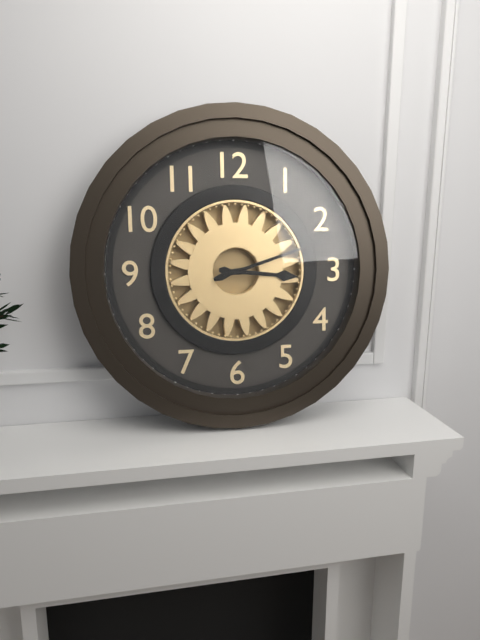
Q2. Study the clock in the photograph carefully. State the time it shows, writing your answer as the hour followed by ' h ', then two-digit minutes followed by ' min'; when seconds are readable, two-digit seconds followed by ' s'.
3 h 12 min
